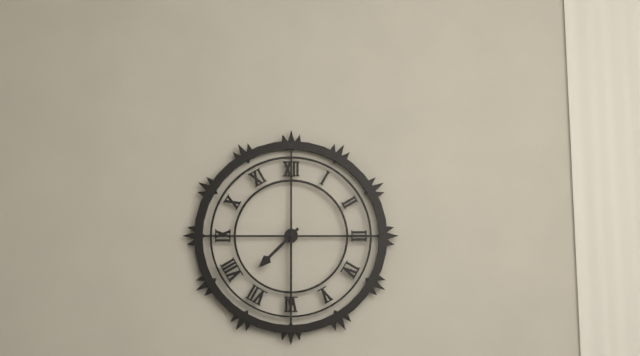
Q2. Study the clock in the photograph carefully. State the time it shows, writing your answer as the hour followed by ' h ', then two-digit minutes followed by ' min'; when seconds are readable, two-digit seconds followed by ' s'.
7 h 30 min
